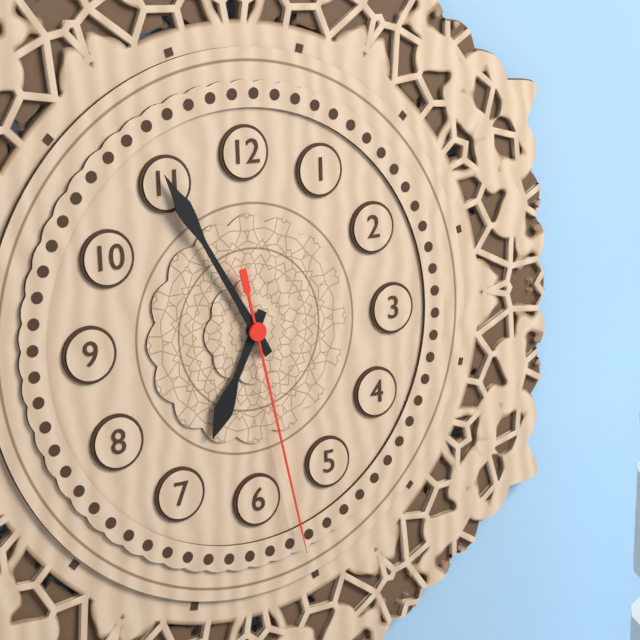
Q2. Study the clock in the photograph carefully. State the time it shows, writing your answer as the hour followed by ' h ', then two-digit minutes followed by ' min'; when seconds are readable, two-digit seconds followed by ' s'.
6 h 55 min 28 s
